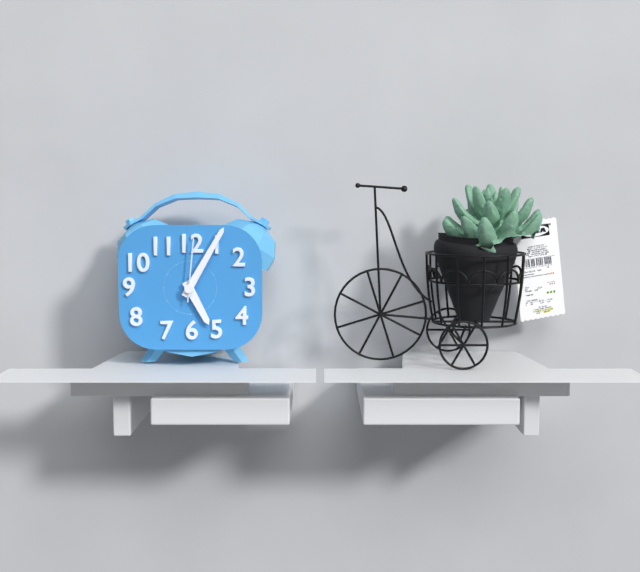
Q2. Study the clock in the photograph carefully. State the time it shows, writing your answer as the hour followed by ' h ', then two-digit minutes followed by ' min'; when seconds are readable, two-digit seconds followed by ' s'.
5 h 05 min 01 s
